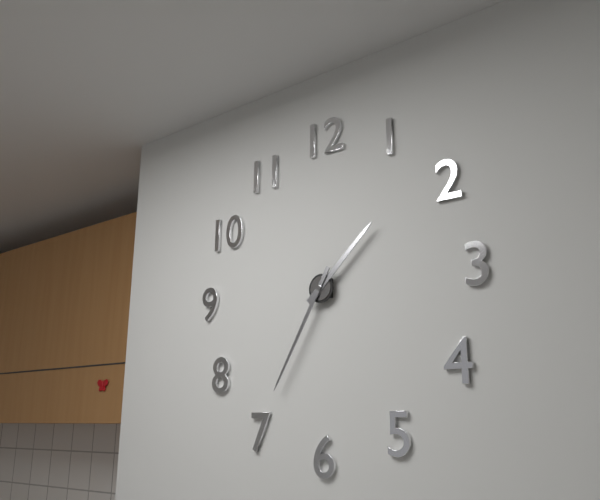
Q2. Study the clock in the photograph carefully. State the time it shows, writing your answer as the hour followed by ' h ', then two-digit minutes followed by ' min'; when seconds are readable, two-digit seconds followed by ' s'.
1 h 35 min
